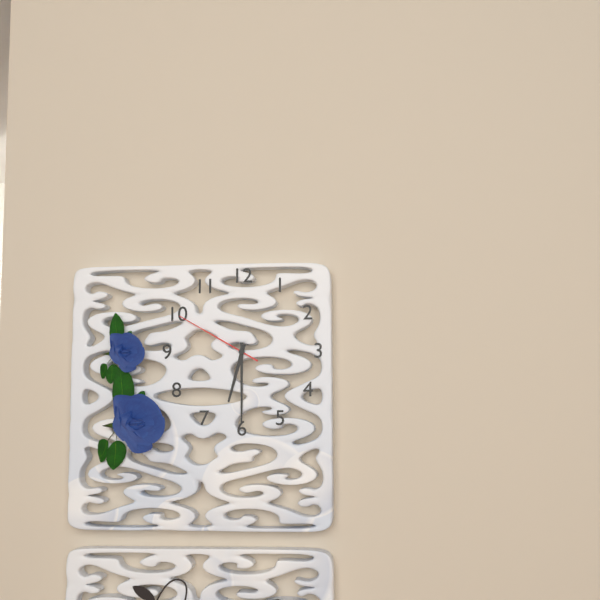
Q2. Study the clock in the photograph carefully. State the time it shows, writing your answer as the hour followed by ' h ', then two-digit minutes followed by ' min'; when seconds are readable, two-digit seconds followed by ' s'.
6 h 30 min 50 s
